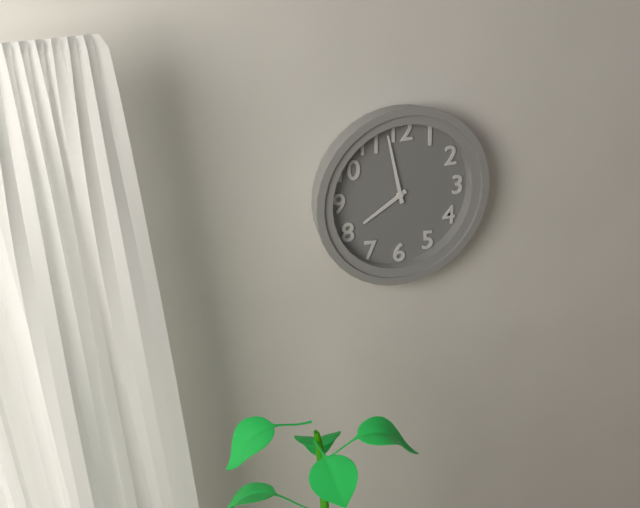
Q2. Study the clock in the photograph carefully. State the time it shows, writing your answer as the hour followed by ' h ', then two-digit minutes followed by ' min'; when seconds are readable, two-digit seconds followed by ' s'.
7 h 58 min
